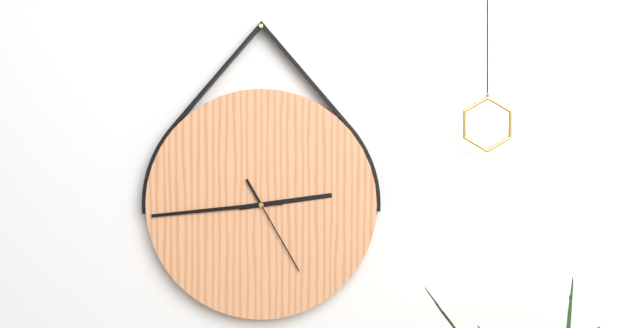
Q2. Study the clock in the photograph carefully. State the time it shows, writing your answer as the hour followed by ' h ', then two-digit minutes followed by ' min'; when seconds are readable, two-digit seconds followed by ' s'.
2 h 44 min 25 s
